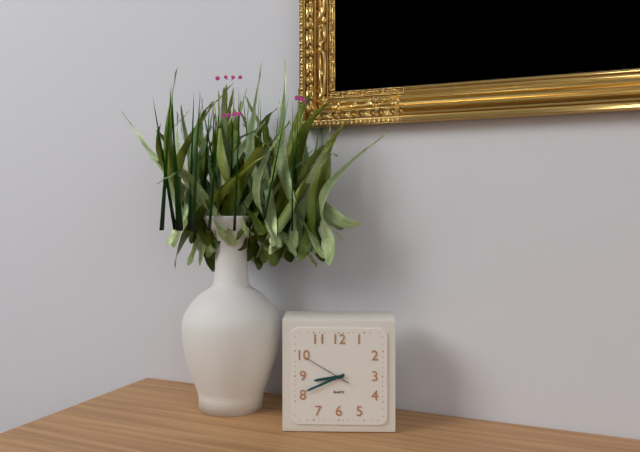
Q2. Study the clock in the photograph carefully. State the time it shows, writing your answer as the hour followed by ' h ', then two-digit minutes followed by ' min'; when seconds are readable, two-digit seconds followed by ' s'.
8 h 41 min
